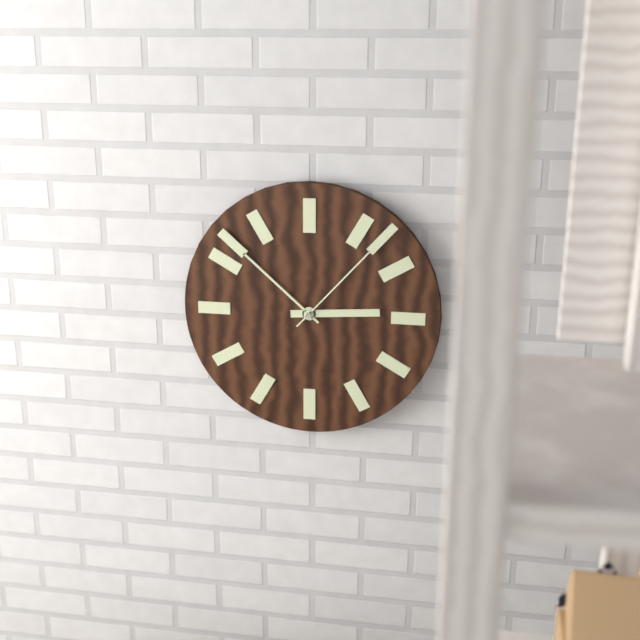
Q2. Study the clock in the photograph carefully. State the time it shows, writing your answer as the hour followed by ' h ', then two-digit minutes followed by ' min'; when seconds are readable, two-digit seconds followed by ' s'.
2 h 52 min 07 s
